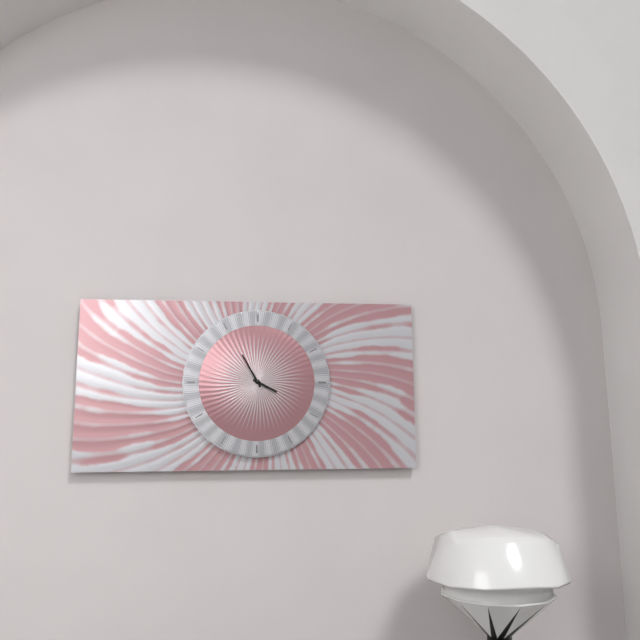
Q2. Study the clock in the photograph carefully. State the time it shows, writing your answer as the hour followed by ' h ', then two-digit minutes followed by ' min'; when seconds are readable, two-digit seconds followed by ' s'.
3 h 55 min
